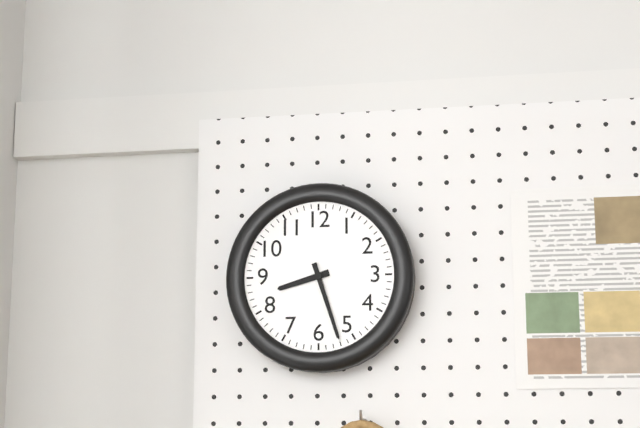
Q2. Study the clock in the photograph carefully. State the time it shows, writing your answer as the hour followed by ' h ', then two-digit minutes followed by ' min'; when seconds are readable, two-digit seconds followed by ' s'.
8 h 27 min
